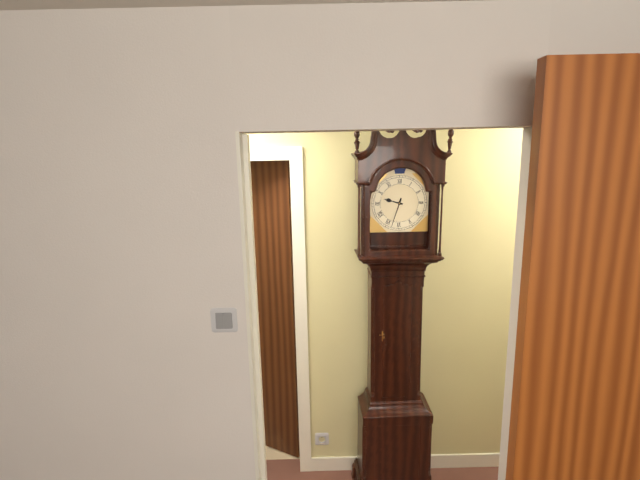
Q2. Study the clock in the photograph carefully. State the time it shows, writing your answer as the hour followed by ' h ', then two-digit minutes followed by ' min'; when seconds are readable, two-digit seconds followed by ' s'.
9 h 33 min
